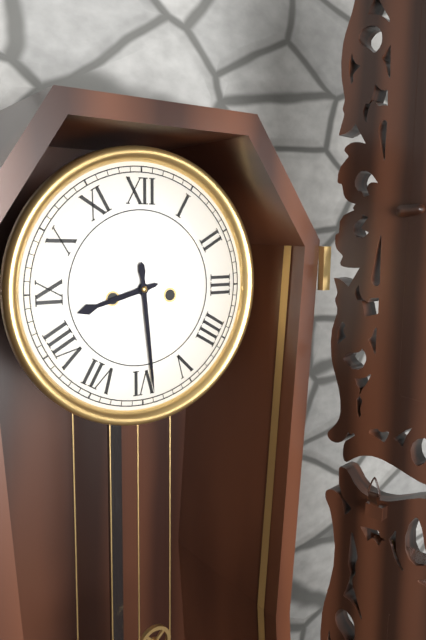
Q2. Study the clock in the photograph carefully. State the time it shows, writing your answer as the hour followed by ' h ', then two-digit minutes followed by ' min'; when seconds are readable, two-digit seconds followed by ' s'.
8 h 29 min
